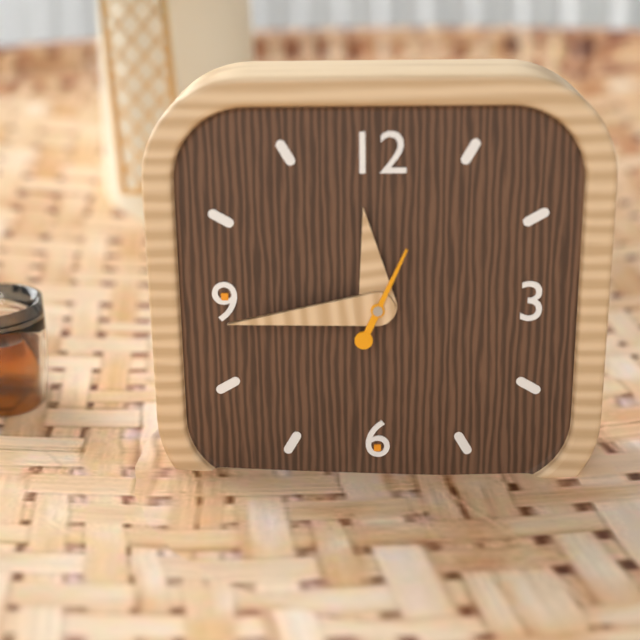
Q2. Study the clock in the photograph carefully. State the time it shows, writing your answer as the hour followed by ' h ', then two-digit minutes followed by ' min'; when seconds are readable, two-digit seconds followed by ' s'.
11 h 44 min 04 s
